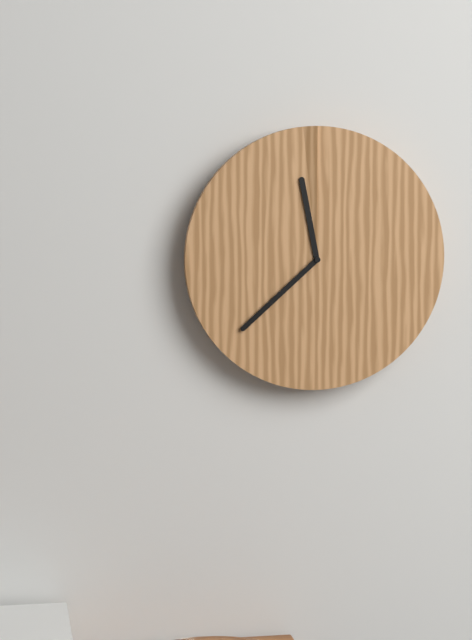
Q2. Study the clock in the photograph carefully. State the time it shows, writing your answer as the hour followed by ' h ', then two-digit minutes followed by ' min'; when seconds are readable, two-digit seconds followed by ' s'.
11 h 38 min
